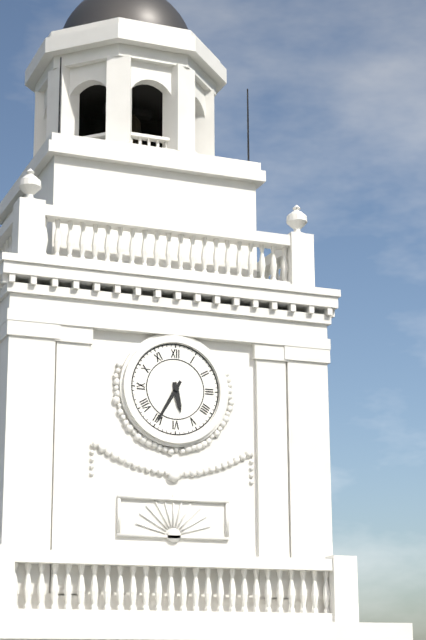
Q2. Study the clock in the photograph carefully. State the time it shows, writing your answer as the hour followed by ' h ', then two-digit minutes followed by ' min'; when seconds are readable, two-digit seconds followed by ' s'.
5 h 35 min
